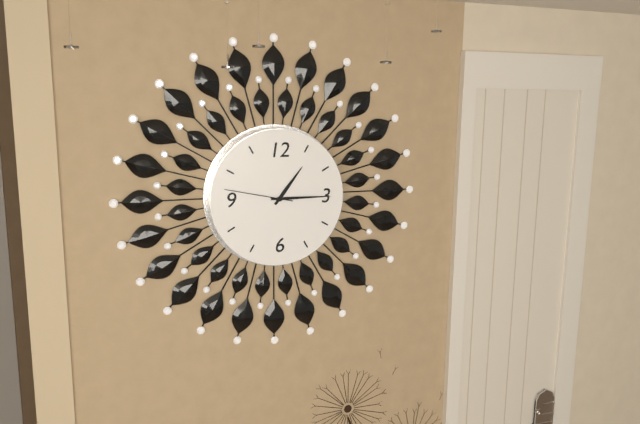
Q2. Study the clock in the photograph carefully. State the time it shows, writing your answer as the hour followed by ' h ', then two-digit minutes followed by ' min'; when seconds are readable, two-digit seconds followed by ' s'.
1 h 15 min 47 s
